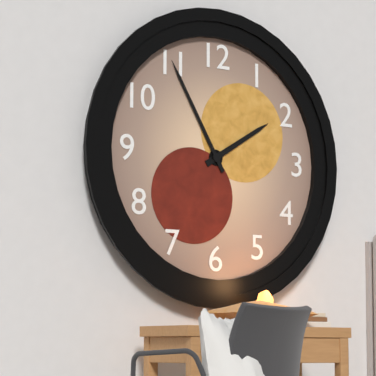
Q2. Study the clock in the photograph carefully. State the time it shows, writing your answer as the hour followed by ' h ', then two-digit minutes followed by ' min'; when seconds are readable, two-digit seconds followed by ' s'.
1 h 55 min
